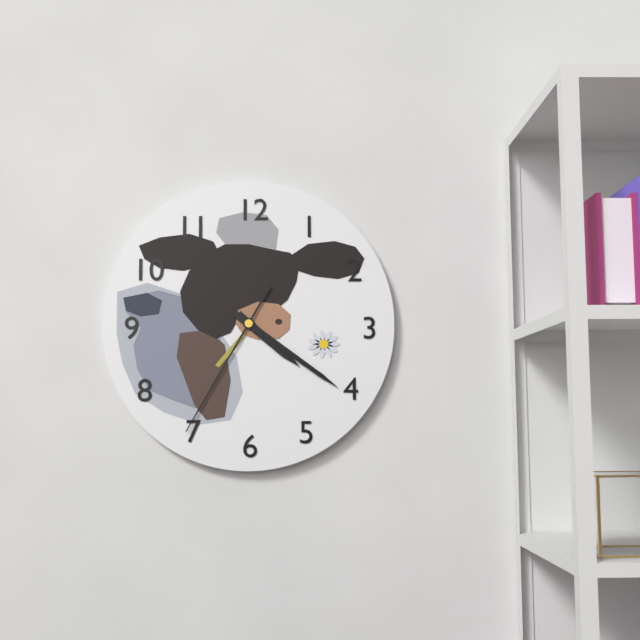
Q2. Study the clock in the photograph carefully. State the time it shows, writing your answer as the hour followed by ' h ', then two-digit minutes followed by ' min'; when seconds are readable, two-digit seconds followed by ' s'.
4 h 21 min 35 s
